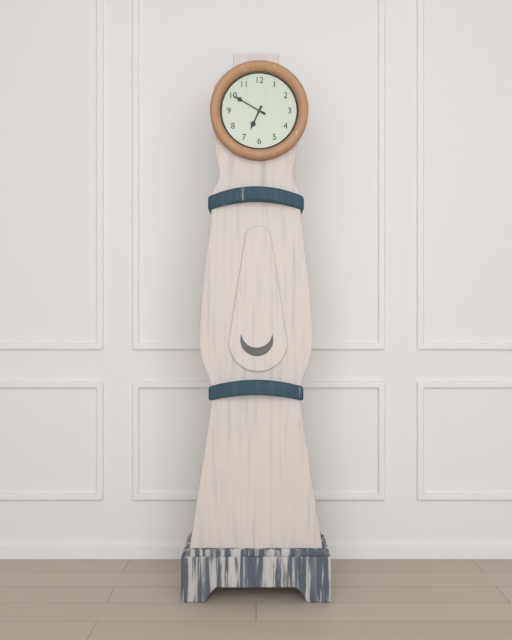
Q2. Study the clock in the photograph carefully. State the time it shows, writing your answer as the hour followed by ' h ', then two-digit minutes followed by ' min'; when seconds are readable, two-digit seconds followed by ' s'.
6 h 50 min
